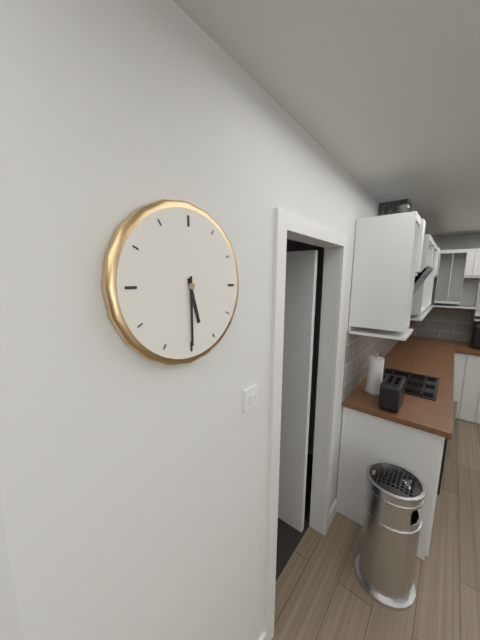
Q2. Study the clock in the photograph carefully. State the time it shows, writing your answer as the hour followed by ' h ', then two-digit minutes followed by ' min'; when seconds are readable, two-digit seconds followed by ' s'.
5 h 30 min
